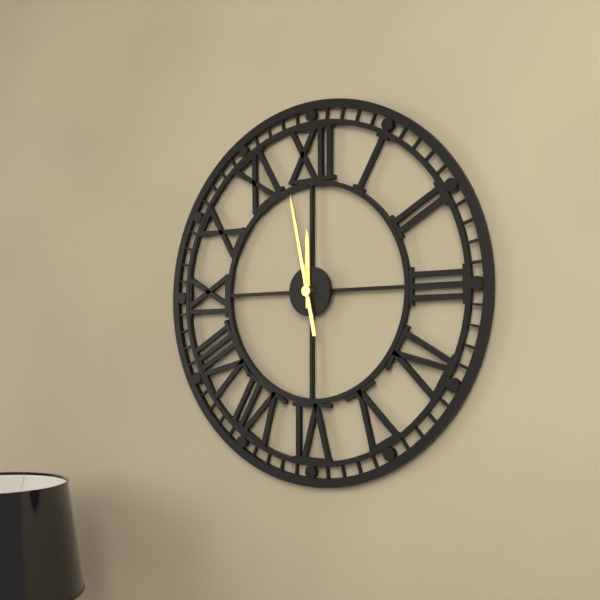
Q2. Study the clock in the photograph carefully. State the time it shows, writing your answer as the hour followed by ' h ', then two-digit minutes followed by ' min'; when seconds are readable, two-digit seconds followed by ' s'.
11 h 58 min
